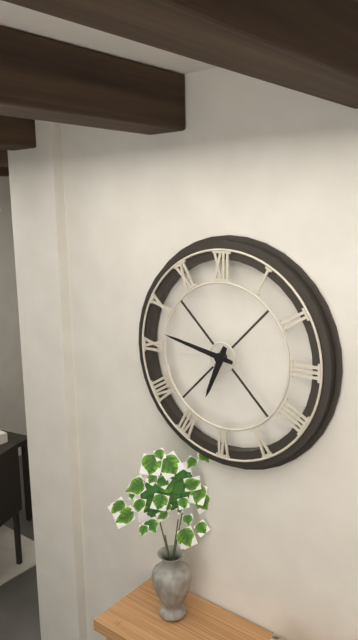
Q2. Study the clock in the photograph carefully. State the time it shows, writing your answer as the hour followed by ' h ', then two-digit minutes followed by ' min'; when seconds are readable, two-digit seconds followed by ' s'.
6 h 47 min
